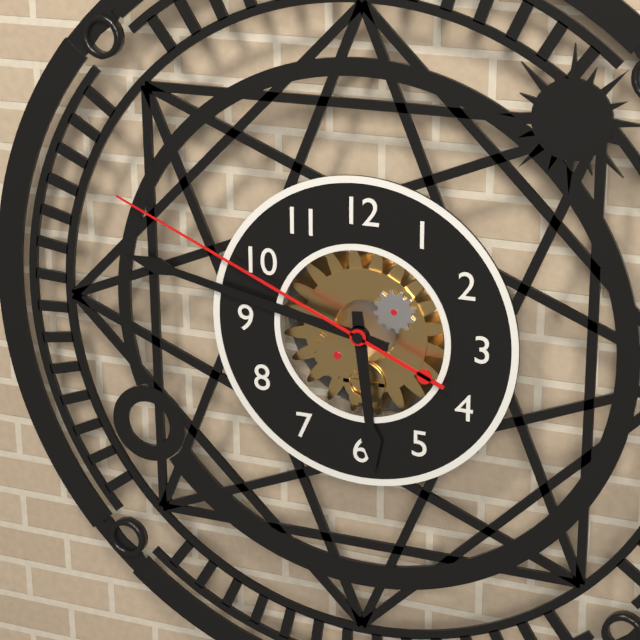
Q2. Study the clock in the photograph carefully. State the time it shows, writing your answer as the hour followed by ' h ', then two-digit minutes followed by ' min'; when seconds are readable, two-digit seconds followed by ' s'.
5 h 47 min 49 s
